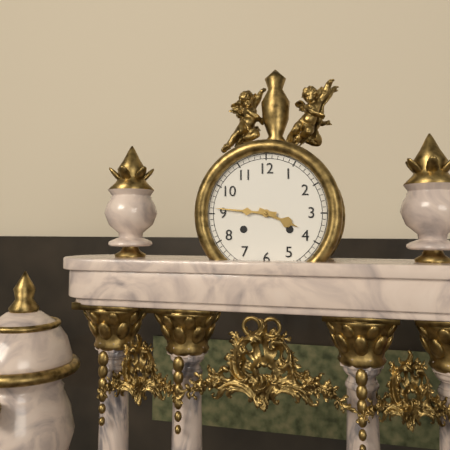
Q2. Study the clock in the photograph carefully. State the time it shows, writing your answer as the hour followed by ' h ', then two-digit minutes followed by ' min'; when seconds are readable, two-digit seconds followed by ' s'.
3 h 46 min
